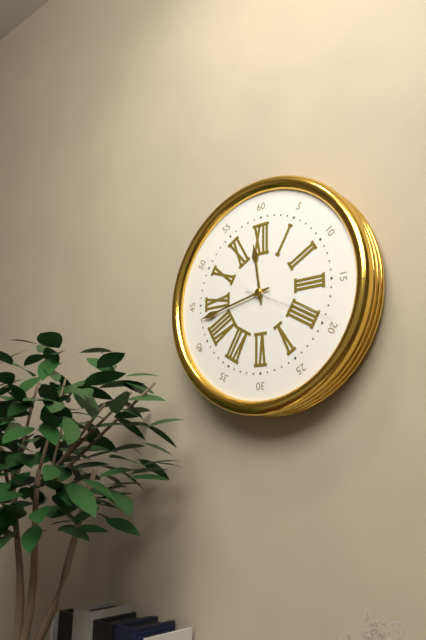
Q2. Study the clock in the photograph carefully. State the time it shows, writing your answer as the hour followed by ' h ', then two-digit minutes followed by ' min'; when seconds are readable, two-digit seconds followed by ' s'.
11 h 43 min 19 s
